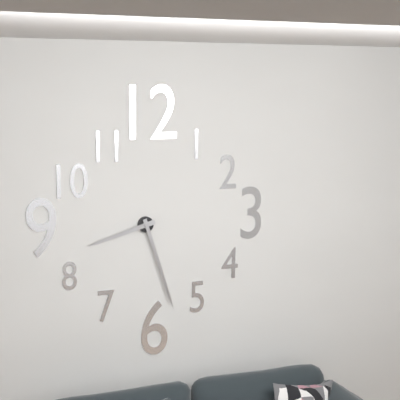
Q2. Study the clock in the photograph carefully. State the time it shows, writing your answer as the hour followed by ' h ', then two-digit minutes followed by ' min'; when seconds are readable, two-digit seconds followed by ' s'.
8 h 27 min
